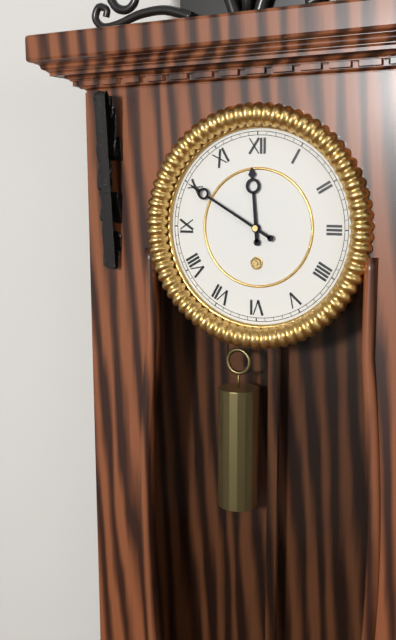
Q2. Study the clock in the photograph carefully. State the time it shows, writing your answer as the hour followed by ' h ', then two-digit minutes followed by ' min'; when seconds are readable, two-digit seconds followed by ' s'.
11 h 50 min
